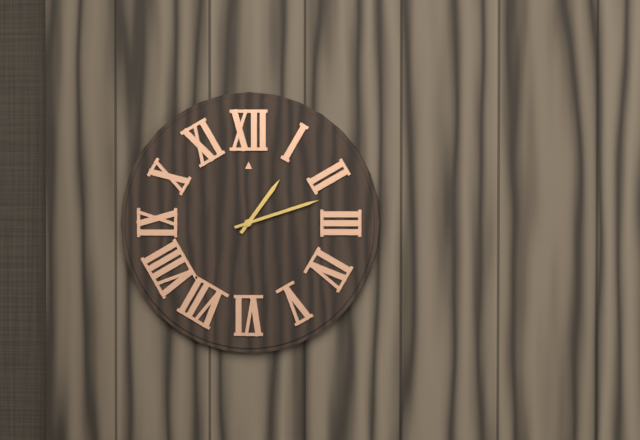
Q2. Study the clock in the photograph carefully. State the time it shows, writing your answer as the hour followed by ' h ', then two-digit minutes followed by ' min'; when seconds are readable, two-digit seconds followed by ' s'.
1 h 12 min
